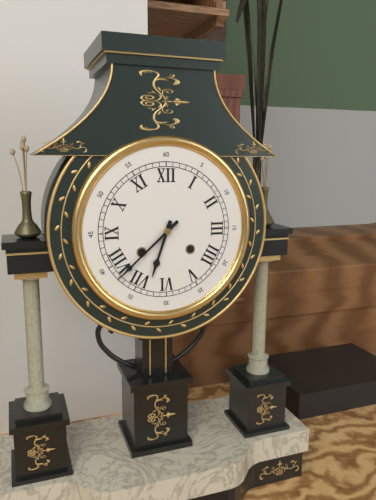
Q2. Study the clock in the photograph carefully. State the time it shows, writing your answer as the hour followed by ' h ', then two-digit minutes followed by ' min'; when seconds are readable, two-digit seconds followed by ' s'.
6 h 38 min
